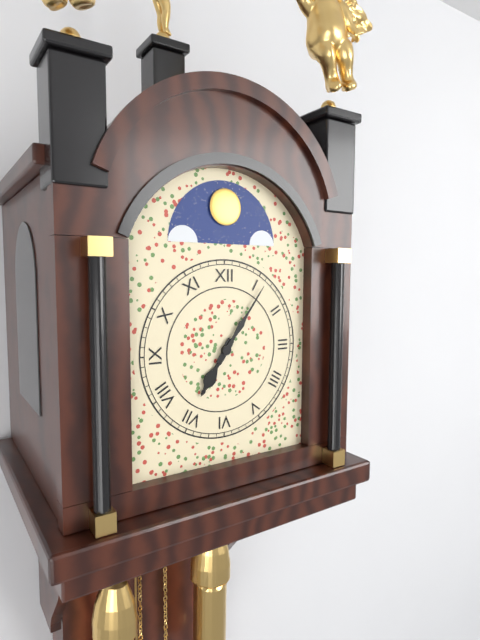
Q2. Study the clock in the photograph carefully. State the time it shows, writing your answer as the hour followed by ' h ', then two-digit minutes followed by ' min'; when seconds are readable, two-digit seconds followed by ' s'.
7 h 06 min
